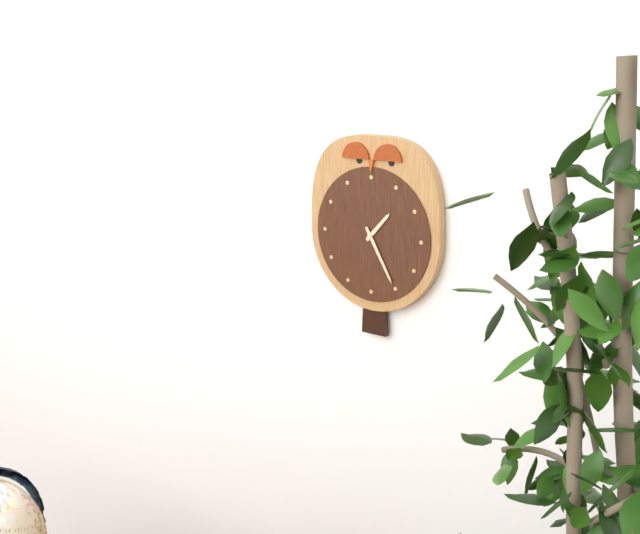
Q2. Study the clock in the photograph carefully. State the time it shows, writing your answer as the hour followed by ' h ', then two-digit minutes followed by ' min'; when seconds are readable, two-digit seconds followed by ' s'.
1 h 25 min
